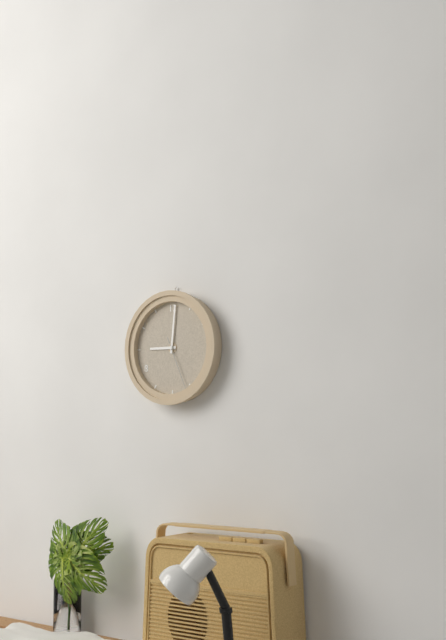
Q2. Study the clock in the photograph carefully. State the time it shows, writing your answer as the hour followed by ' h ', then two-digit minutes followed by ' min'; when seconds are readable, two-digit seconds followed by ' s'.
9 h 01 min 26 s
